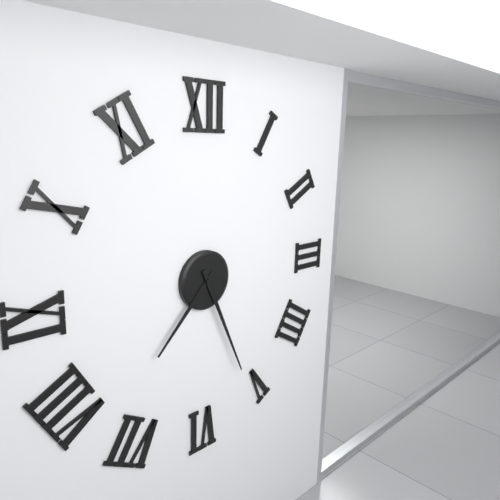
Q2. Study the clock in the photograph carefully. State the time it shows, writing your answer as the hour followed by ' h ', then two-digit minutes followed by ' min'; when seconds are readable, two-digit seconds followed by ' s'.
7 h 26 min
